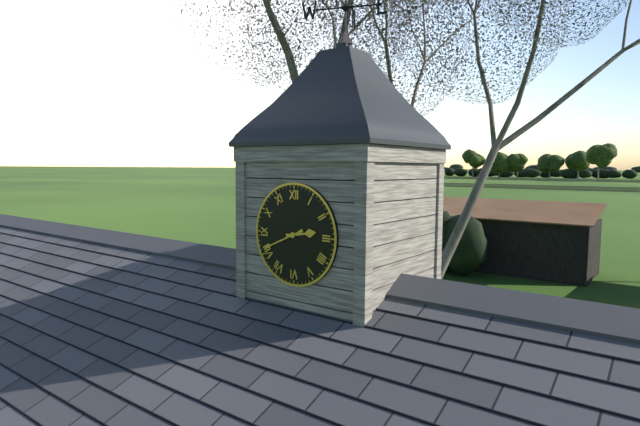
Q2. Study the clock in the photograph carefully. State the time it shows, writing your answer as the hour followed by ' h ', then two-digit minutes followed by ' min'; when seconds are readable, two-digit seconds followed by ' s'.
2 h 41 min
